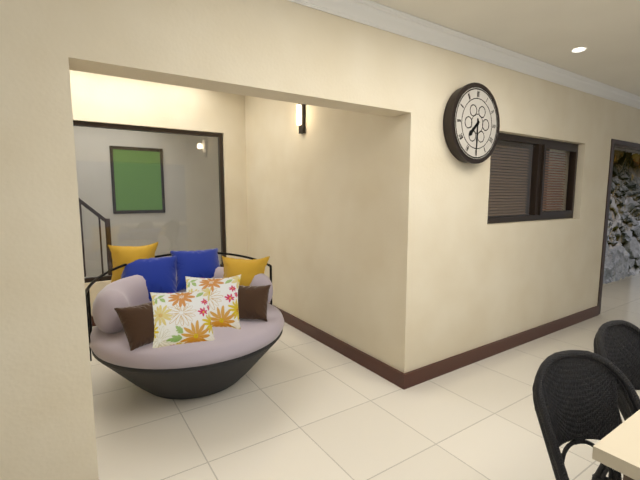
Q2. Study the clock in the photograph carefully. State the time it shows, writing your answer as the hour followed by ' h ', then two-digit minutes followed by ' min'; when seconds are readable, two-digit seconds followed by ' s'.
7 h 30 min
